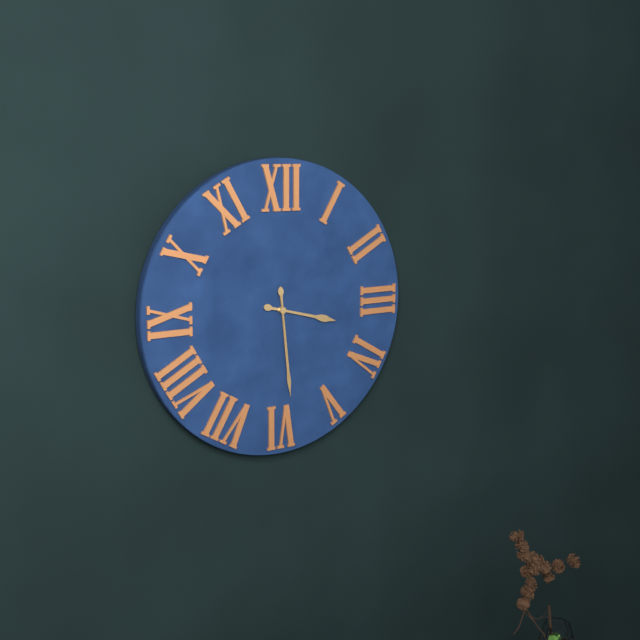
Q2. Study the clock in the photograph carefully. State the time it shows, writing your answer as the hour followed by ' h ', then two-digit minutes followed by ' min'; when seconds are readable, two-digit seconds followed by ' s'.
3 h 29 min 29 s
